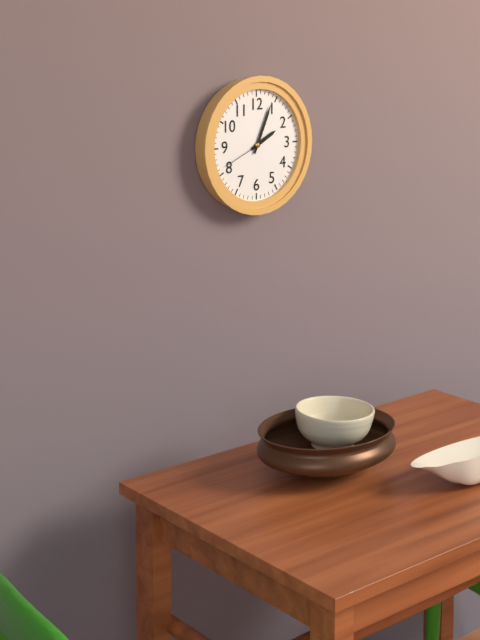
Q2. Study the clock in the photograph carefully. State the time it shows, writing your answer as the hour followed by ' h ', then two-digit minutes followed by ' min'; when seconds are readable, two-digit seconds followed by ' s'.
2 h 04 min
